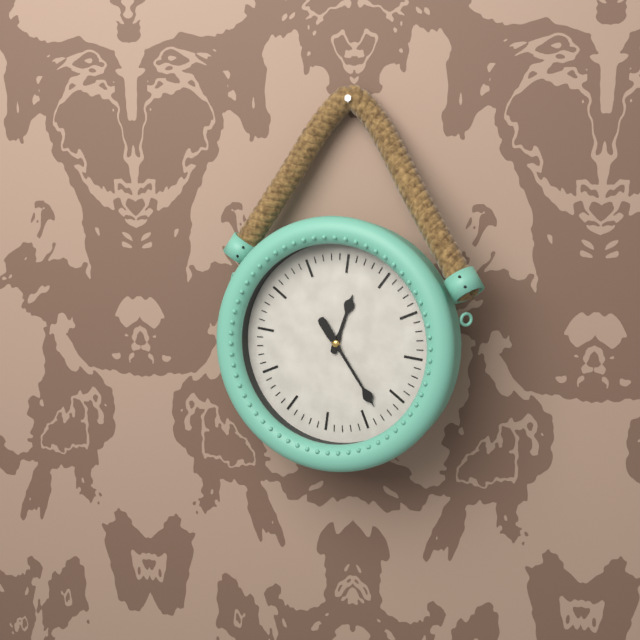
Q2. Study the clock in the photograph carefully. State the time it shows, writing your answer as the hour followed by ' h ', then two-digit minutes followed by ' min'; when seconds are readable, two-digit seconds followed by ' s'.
12 h 23 min
